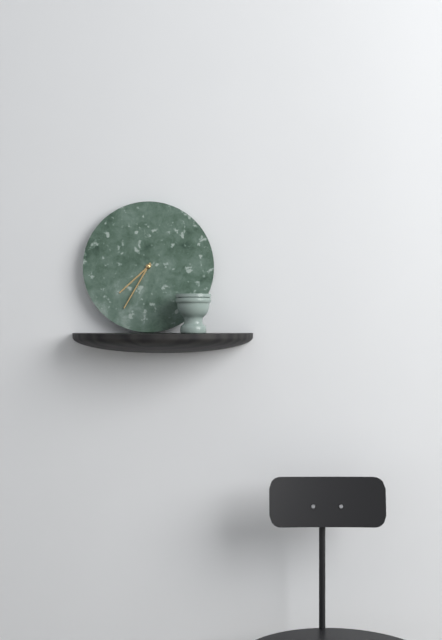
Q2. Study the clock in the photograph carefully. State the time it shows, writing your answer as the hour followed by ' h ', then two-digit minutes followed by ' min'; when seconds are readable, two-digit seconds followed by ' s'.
7 h 35 min
